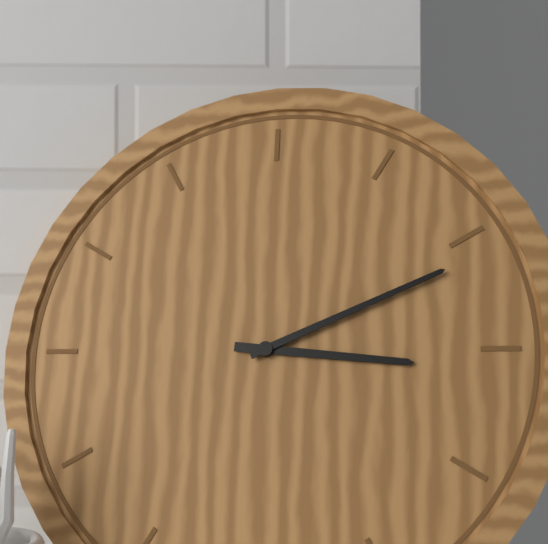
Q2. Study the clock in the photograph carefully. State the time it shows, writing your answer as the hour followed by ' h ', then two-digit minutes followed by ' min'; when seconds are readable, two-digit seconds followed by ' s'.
3 h 11 min
